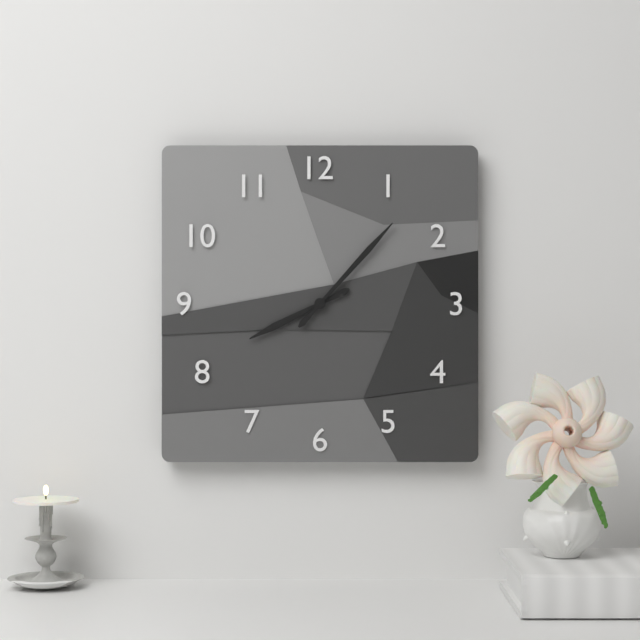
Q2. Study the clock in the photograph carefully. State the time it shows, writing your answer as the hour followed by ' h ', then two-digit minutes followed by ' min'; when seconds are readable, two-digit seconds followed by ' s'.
8 h 07 min
